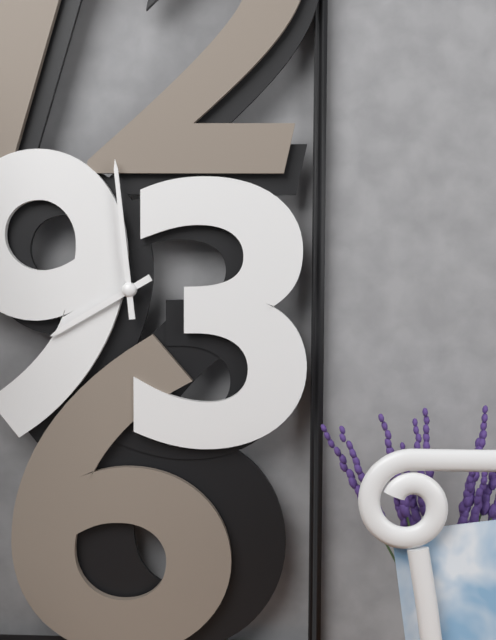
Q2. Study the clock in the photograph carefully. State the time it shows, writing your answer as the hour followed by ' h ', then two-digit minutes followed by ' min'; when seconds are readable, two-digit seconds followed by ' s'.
7 h 59 min
